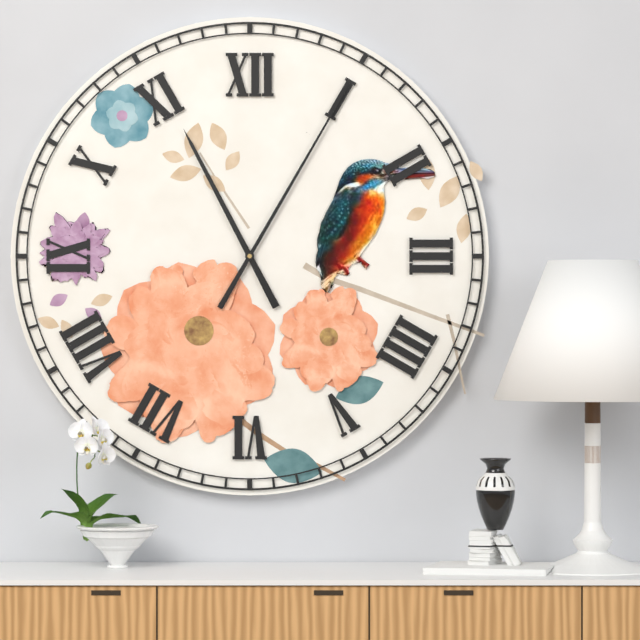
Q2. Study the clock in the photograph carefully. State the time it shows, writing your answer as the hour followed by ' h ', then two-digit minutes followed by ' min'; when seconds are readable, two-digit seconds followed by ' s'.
11 h 05 min
